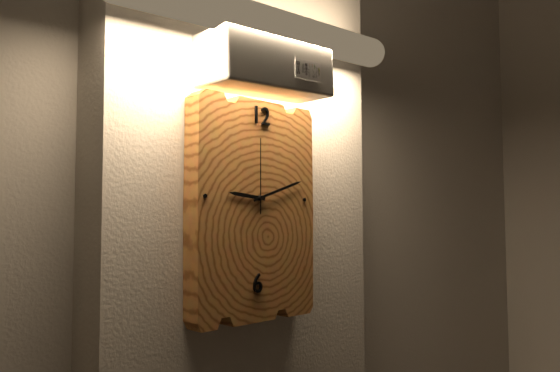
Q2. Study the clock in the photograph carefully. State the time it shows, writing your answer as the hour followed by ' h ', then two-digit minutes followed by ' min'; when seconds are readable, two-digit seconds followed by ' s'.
9 h 12 min 00 s
